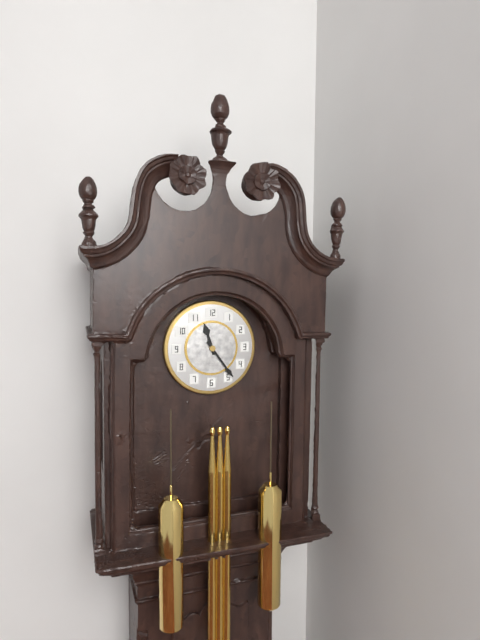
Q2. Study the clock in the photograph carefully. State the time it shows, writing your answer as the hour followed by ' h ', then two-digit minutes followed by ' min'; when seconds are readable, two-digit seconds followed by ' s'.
11 h 24 min
